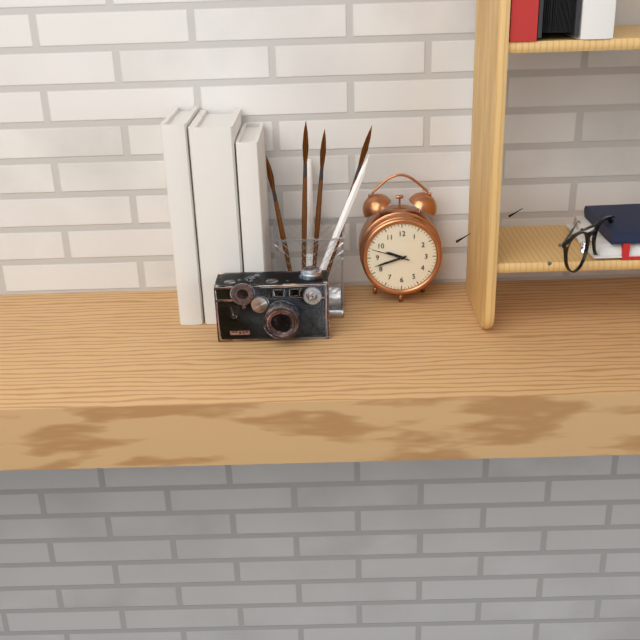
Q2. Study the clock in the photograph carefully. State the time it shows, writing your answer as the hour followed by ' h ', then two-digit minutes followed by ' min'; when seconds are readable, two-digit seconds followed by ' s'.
9 h 42 min
